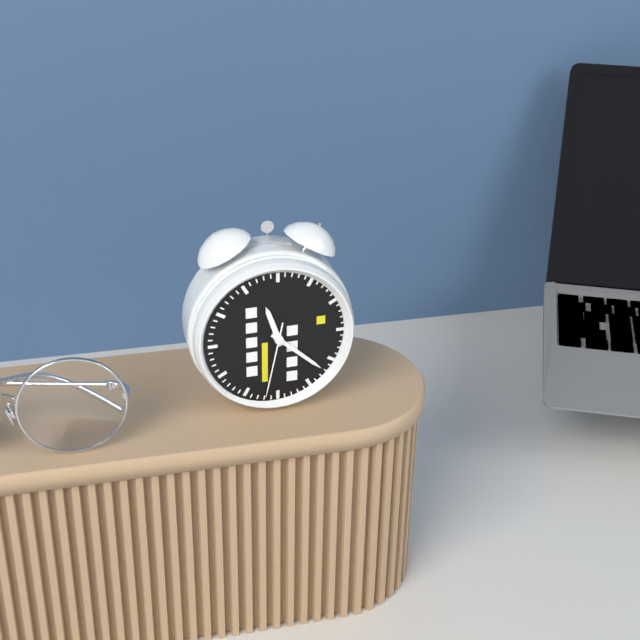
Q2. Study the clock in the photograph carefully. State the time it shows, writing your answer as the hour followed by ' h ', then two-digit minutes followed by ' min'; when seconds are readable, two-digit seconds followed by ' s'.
11 h 22 min 32 s
